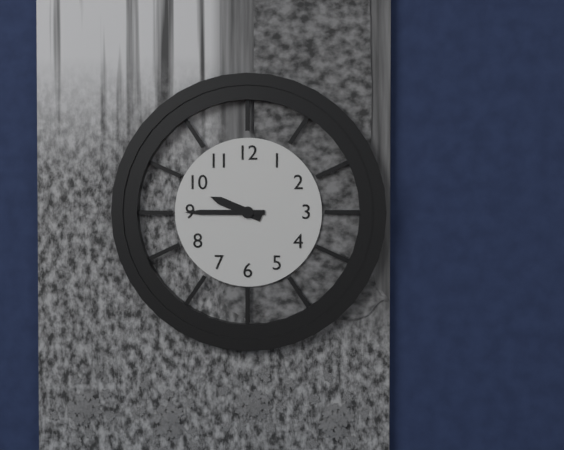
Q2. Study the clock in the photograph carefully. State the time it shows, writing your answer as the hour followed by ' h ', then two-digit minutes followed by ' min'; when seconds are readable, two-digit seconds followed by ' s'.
9 h 45 min
